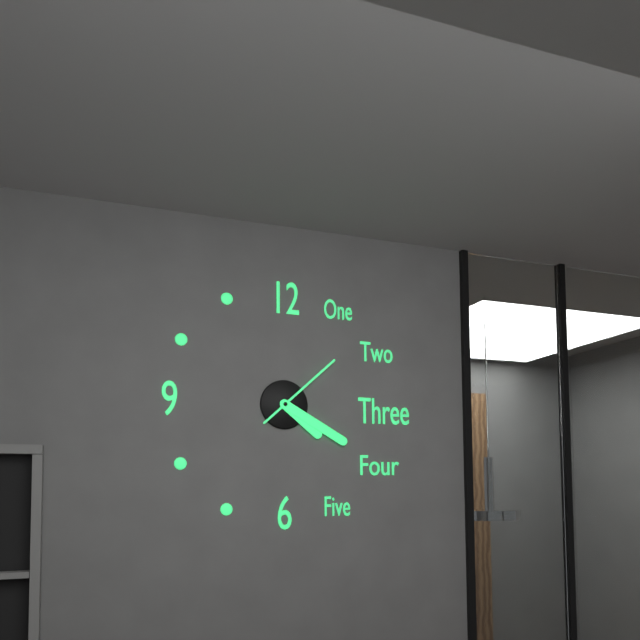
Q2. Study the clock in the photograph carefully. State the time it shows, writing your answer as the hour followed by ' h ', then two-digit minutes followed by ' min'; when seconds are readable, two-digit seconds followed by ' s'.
4 h 20 min 08 s
